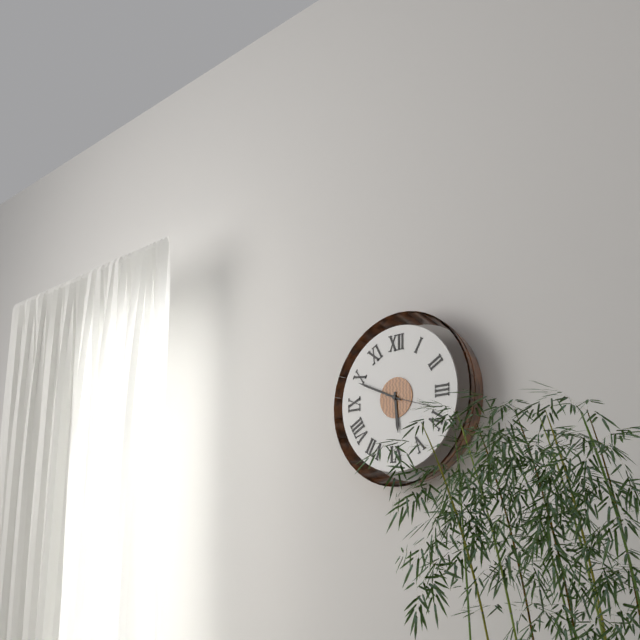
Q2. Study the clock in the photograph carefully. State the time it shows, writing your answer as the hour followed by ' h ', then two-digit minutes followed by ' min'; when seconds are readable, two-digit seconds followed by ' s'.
5 h 49 min 18 s
